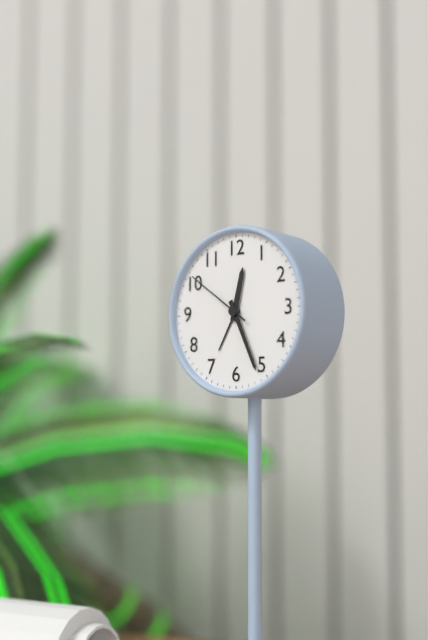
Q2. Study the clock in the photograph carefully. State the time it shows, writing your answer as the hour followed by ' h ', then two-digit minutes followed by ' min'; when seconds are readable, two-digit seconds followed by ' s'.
12 h 26 min 51 s
